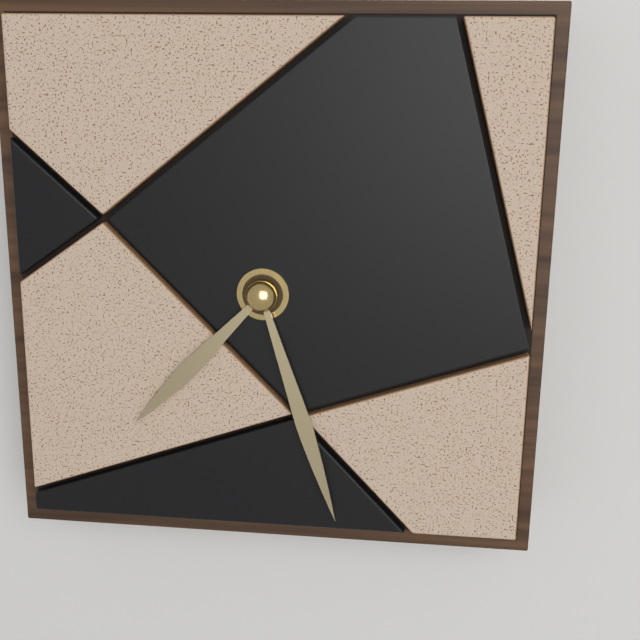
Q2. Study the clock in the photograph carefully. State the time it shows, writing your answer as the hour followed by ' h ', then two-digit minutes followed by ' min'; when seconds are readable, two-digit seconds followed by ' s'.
7 h 27 min
